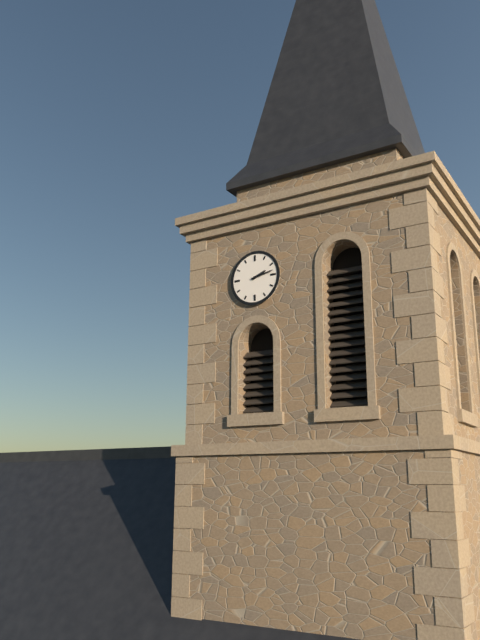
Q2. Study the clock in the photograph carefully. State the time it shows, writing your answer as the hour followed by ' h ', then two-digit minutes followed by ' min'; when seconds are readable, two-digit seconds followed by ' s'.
2 h 13 min
